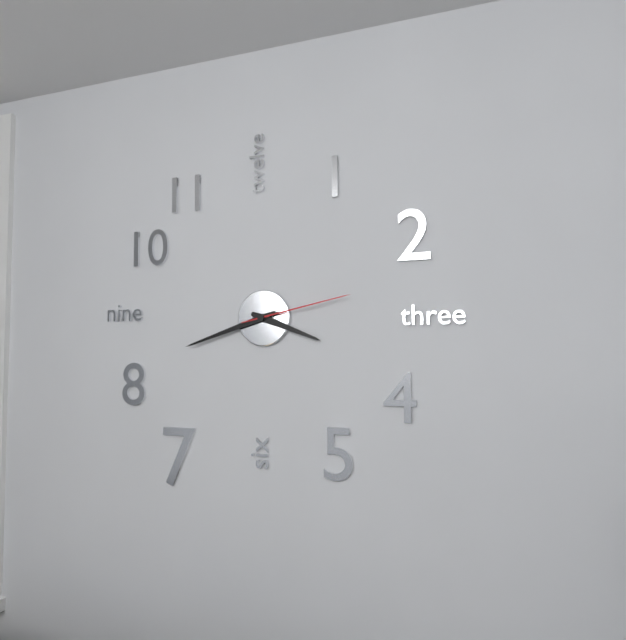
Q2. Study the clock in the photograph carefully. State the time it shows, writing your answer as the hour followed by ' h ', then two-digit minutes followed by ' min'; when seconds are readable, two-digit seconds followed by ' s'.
3 h 42 min 13 s
